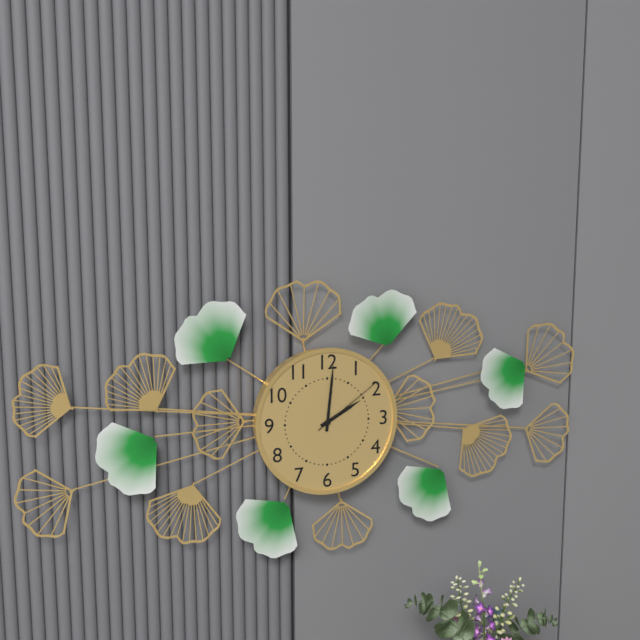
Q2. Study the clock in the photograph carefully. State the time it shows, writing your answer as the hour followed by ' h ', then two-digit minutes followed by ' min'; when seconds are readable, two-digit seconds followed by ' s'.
2 h 01 min 09 s
